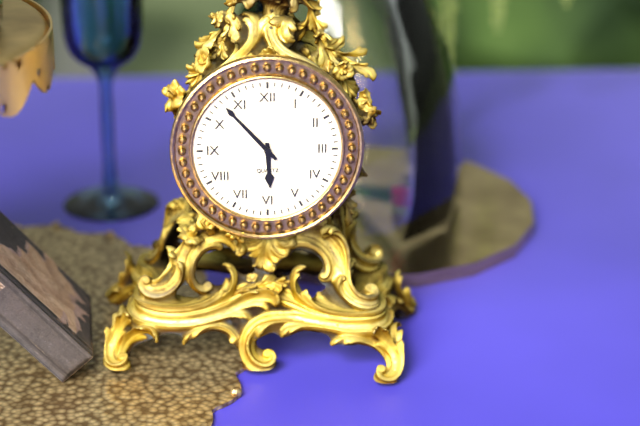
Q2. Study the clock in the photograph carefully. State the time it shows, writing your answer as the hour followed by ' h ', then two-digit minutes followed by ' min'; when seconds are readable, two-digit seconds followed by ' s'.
5 h 53 min
